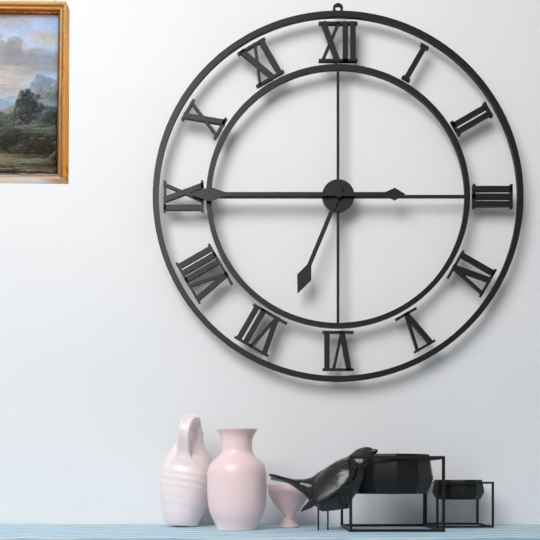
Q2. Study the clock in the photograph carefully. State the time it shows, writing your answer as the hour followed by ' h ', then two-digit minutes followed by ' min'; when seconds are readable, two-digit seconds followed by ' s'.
6 h 45 min
